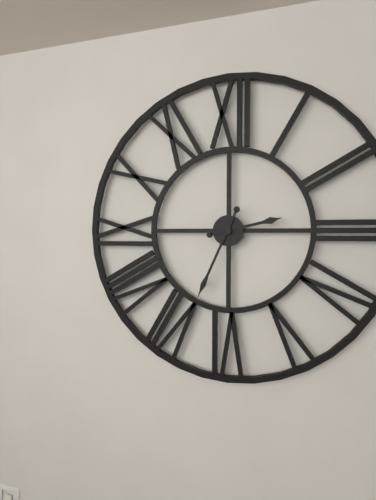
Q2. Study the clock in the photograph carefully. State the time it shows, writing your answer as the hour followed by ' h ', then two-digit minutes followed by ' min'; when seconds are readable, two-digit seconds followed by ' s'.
2 h 34 min
